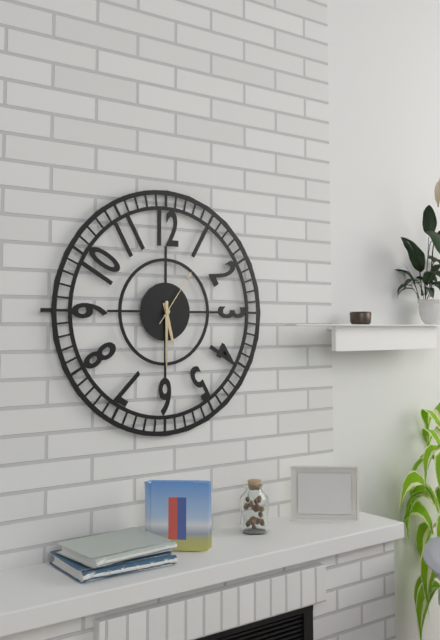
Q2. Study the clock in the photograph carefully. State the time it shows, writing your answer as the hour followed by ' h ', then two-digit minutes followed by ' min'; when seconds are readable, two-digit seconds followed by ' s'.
5 h 30 min 06 s
